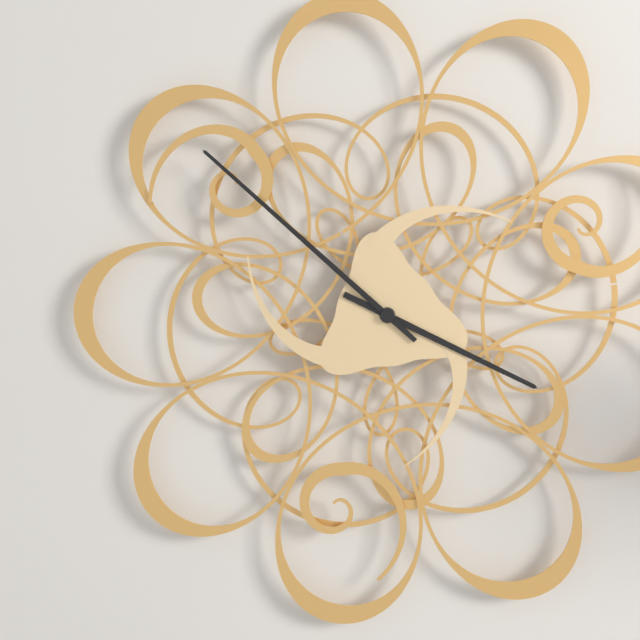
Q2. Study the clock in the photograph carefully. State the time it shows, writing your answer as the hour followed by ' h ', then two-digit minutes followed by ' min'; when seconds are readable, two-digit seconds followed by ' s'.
3 h 52 min
